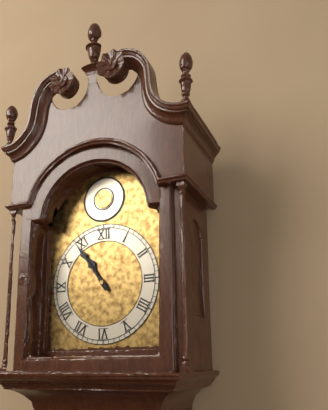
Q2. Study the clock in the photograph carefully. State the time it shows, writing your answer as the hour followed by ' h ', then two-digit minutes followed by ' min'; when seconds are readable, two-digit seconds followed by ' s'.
10 h 54 min
